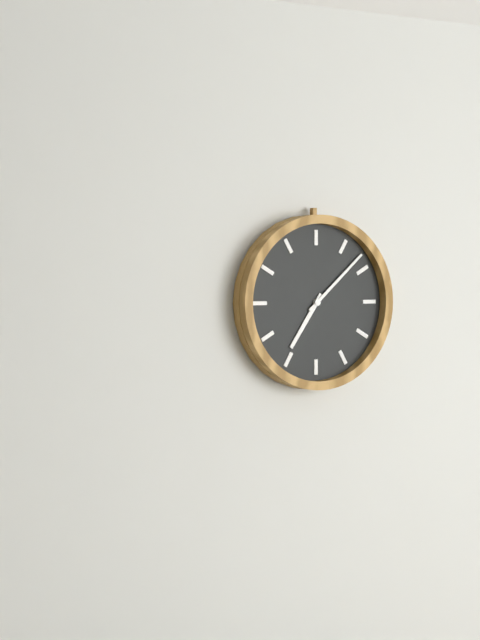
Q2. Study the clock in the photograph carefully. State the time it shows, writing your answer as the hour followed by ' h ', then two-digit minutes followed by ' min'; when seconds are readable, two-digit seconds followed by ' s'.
7 h 08 min
